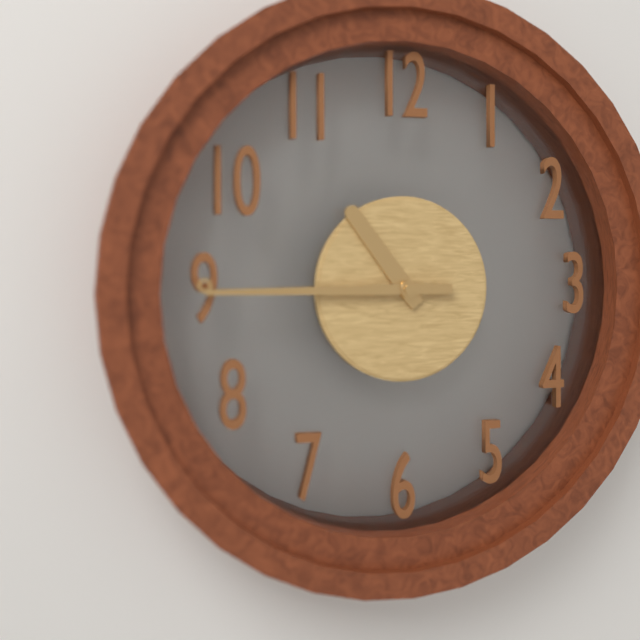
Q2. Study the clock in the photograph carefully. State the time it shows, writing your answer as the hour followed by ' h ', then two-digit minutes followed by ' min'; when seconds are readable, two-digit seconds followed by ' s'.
10 h 45 min
